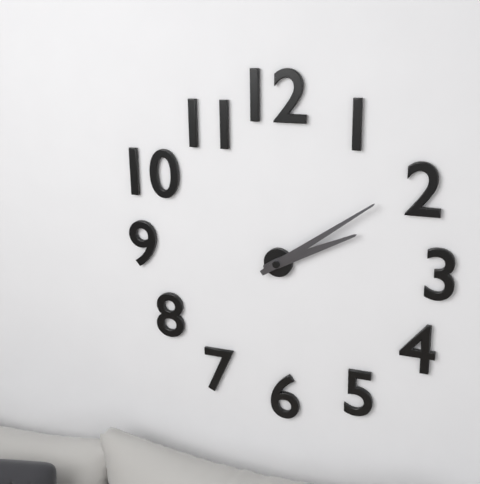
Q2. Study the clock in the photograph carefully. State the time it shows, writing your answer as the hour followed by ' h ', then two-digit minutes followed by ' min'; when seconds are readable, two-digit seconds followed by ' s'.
2 h 09 min
